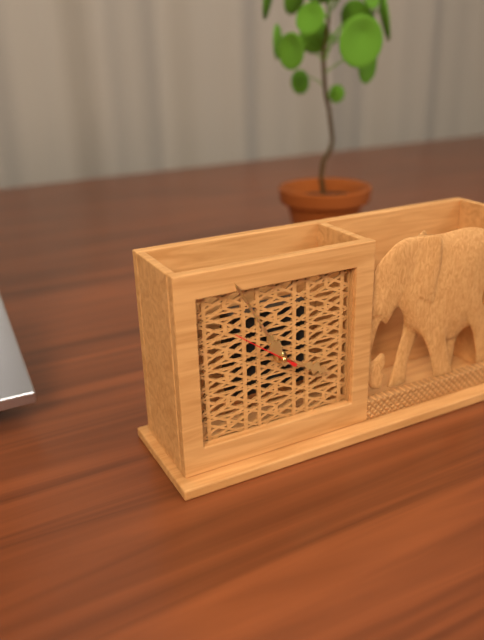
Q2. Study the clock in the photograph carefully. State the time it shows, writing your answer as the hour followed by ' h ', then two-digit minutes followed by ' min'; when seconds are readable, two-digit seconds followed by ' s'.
3 h 55 min 51 s
